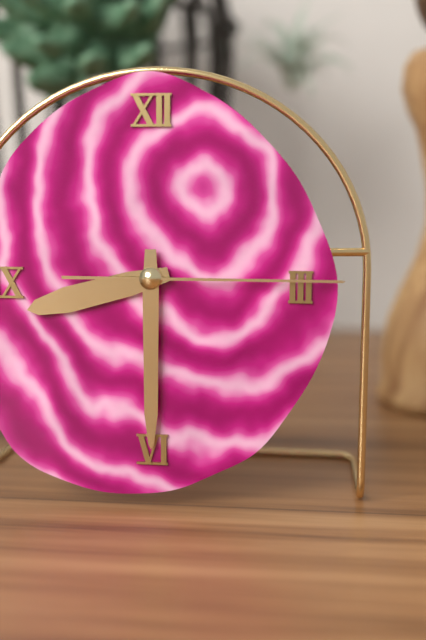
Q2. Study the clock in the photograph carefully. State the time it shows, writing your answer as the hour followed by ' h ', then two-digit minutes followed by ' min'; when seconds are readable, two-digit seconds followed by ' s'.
8 h 30 min 15 s
